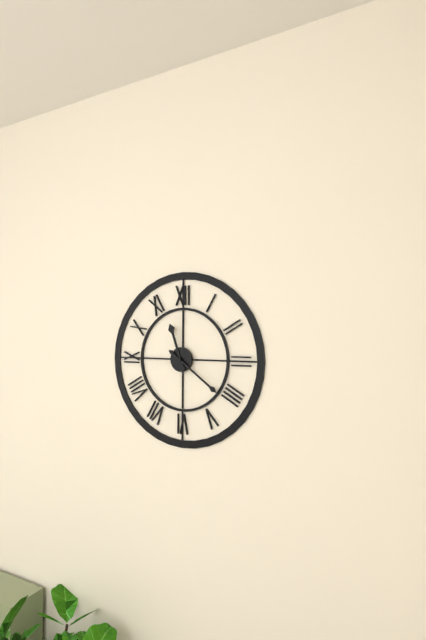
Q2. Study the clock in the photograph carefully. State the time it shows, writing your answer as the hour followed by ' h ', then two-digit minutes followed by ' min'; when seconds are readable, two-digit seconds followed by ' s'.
11 h 21 min
